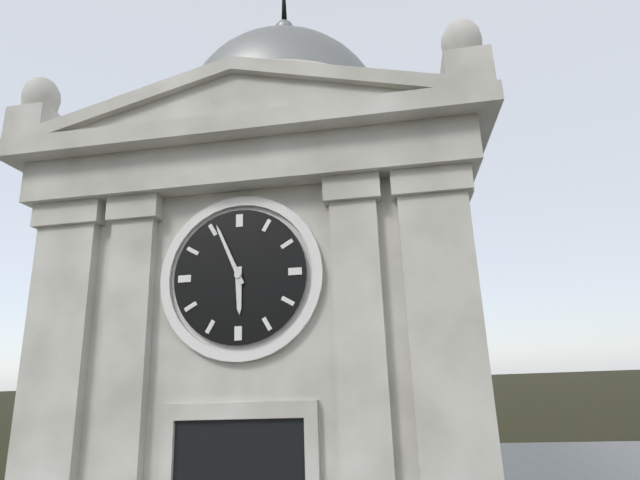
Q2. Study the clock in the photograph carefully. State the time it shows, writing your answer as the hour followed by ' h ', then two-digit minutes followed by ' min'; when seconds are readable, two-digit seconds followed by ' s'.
5 h 56 min
